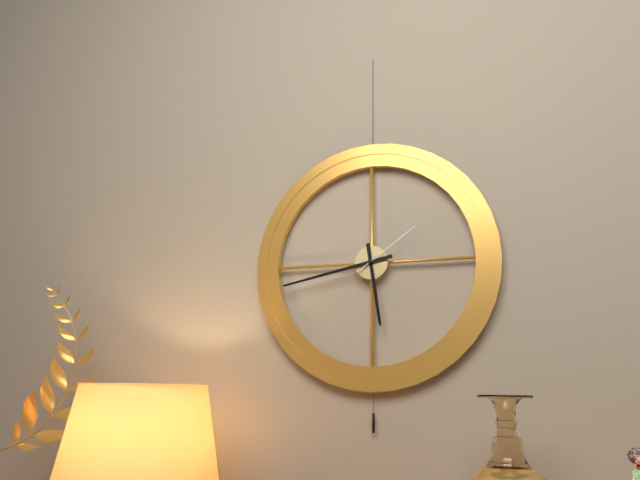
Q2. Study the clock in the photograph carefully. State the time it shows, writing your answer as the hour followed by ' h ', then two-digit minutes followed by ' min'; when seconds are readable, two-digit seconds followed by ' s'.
5 h 43 min 09 s
